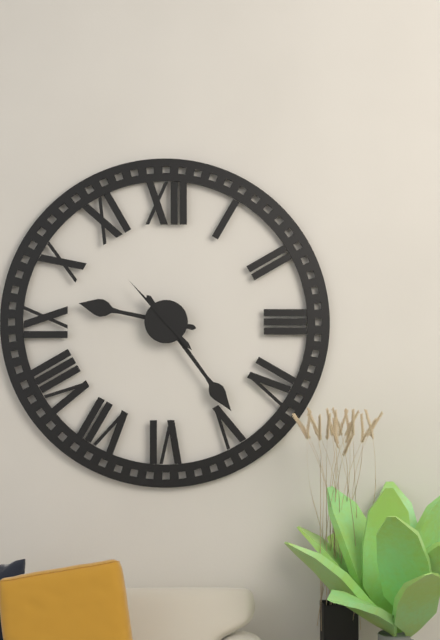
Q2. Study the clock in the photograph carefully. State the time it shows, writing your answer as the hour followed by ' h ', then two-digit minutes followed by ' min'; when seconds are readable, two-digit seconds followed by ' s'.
9 h 24 min 53 s
